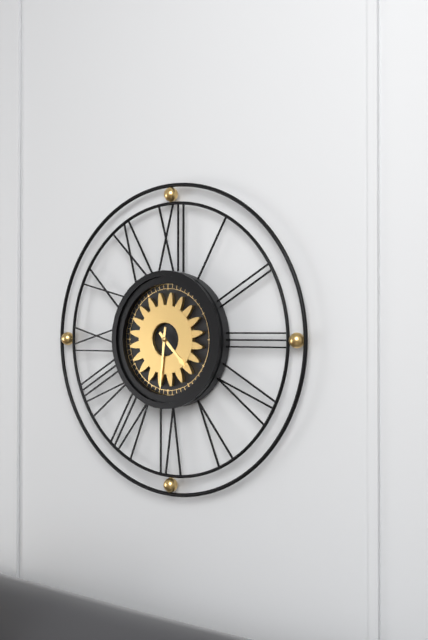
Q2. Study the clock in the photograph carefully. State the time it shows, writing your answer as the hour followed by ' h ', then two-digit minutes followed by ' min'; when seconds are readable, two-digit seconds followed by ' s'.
4 h 31 min
